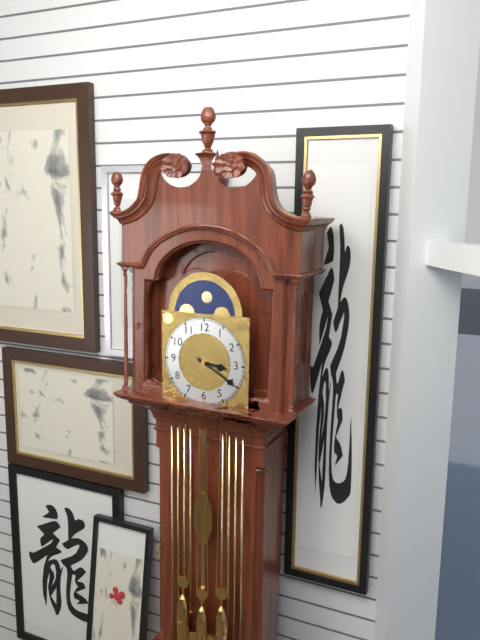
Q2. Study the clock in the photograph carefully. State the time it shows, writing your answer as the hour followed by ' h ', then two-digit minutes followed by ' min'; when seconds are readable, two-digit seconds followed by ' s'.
3 h 20 min
